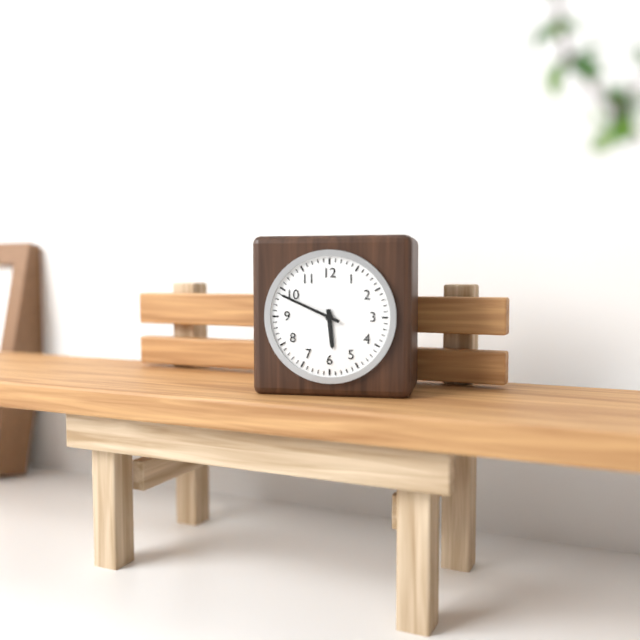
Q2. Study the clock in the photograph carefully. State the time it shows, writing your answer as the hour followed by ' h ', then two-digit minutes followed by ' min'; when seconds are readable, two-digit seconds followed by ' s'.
5 h 49 min
